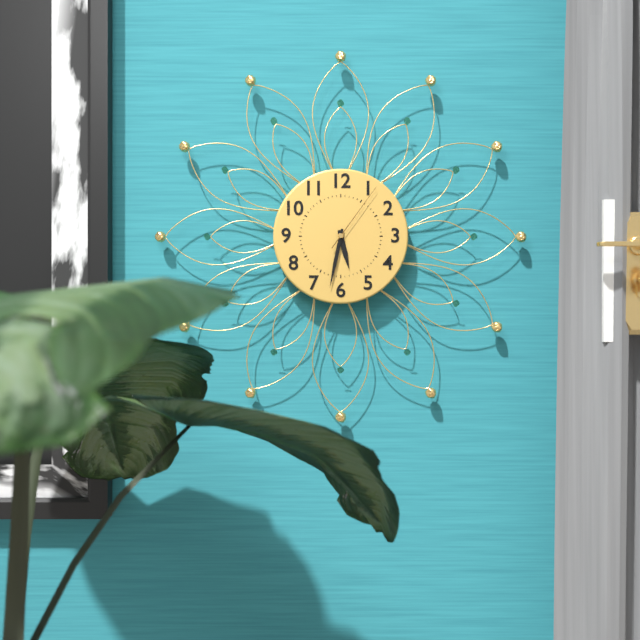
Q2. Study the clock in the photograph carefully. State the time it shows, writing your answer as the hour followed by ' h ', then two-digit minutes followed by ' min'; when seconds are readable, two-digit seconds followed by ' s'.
5 h 32 min 06 s
